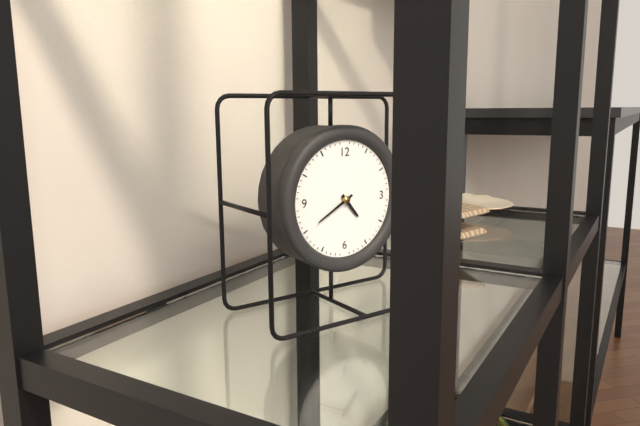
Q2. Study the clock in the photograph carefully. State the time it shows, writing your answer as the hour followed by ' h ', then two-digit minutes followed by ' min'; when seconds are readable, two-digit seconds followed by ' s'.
4 h 40 min
